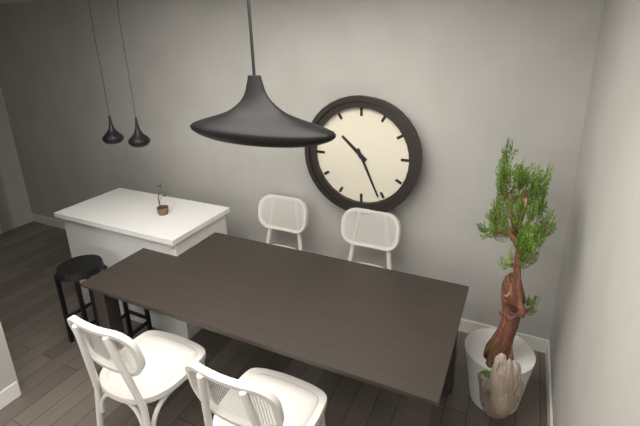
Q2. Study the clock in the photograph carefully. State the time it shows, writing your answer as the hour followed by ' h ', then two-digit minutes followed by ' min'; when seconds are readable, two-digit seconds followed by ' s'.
10 h 26 min
